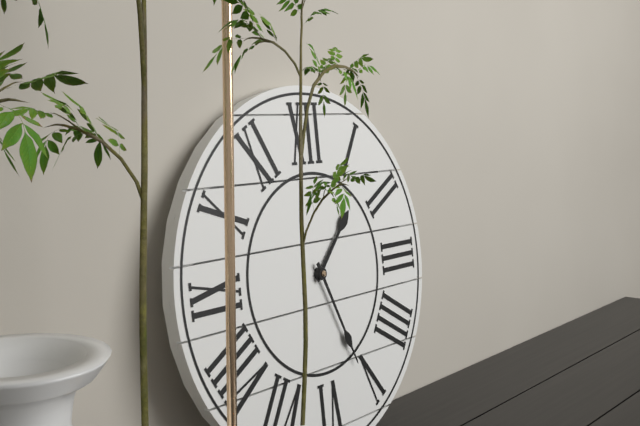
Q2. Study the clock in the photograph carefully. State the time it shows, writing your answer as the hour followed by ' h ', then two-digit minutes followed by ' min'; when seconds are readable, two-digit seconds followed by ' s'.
1 h 26 min
